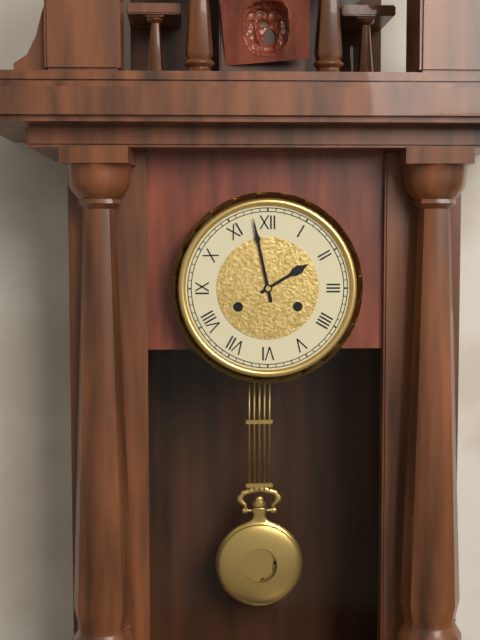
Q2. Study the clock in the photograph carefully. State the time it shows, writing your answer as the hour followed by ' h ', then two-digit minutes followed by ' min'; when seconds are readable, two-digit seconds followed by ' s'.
1 h 58 min
